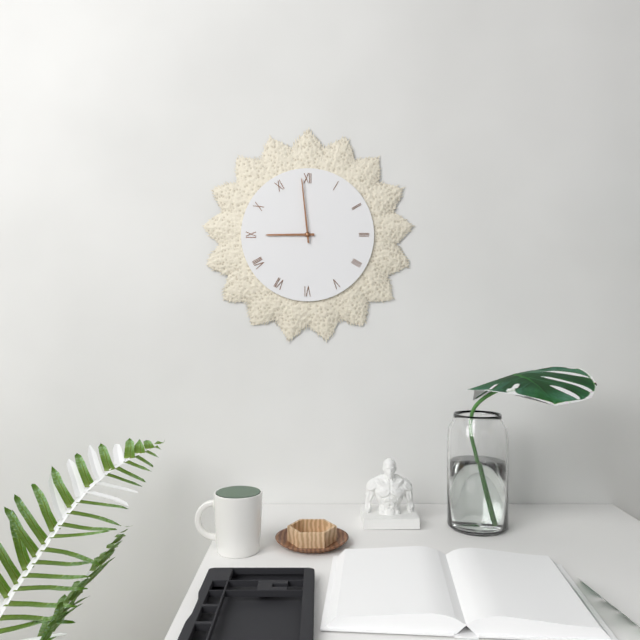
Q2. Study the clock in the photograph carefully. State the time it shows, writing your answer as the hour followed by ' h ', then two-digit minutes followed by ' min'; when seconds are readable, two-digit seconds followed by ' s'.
8 h 59 min
